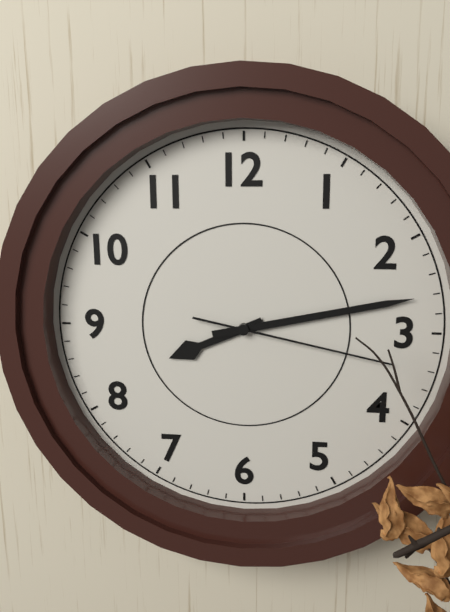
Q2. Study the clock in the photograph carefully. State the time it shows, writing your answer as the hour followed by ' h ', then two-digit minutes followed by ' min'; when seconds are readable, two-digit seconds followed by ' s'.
8 h 13 min 17 s
